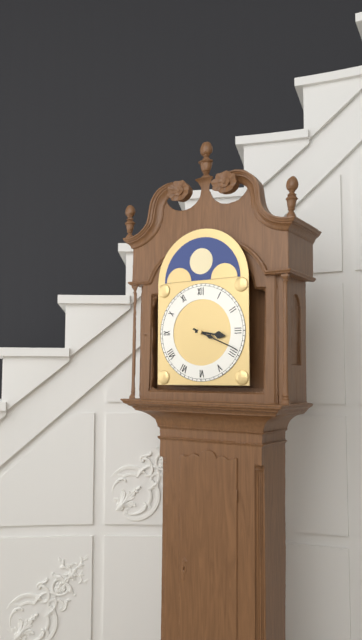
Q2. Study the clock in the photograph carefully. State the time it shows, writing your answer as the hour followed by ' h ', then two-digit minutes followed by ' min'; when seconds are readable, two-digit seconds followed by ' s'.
3 h 19 min
